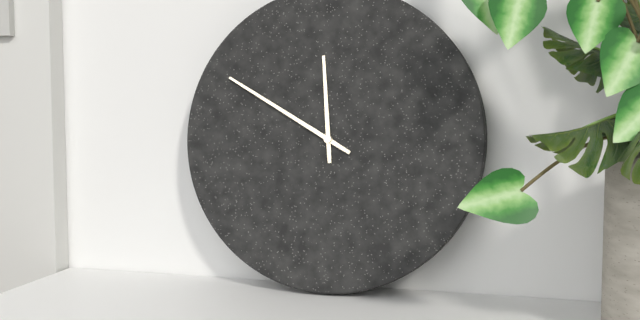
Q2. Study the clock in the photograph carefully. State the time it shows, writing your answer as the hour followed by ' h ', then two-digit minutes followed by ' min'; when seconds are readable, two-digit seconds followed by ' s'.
11 h 50 min
